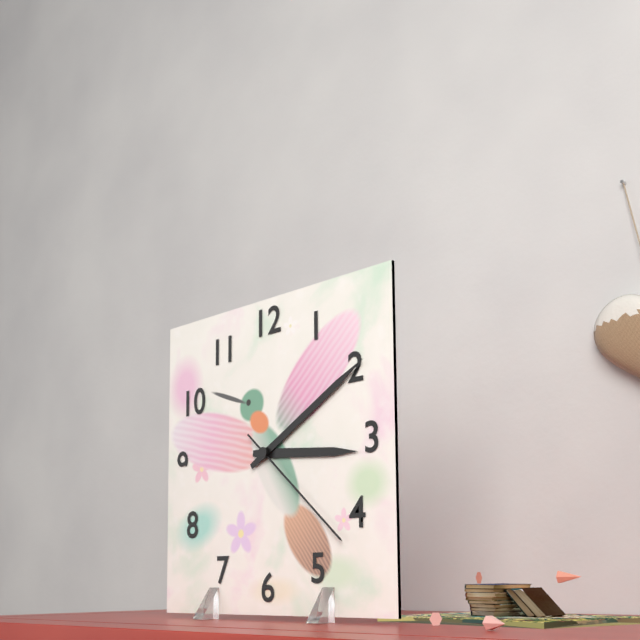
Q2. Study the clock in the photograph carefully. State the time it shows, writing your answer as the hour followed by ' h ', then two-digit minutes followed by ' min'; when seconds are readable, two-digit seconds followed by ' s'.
3 h 10 min 22 s
